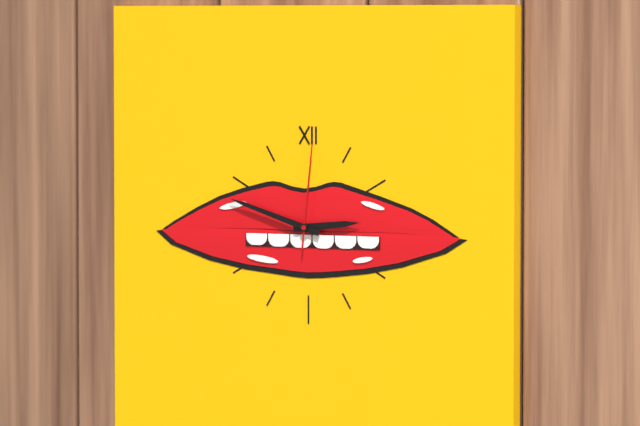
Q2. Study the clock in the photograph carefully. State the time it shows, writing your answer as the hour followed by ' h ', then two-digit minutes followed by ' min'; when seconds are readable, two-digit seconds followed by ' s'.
2 h 48 min 01 s
